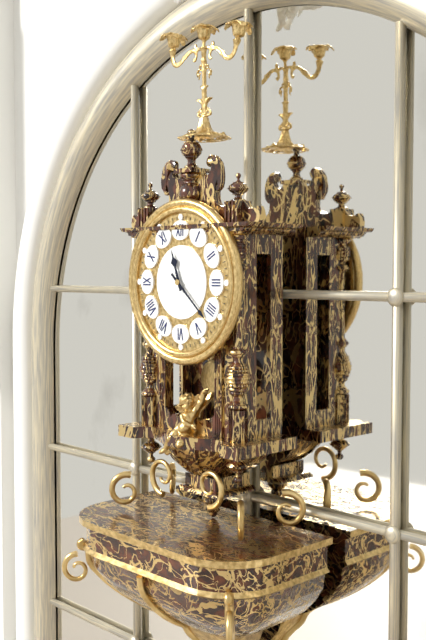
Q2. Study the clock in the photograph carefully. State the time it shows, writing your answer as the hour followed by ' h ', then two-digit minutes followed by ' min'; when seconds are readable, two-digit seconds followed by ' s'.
11 h 22 min
